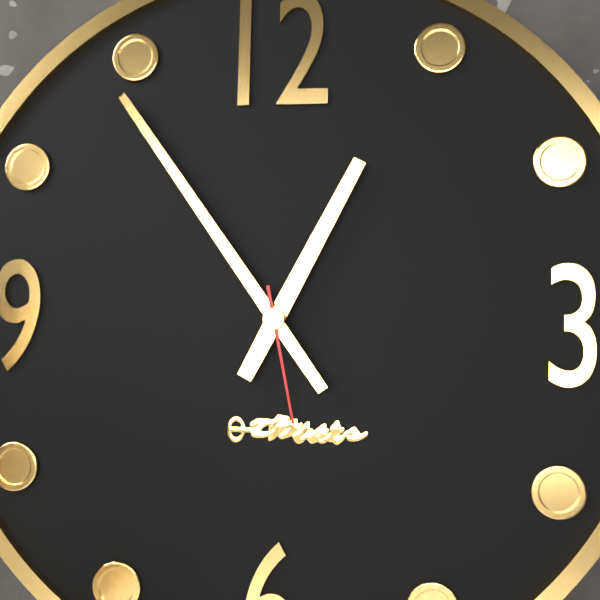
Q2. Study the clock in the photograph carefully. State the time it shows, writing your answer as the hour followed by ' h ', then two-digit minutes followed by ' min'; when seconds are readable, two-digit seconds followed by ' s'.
12 h 54 min 28 s
